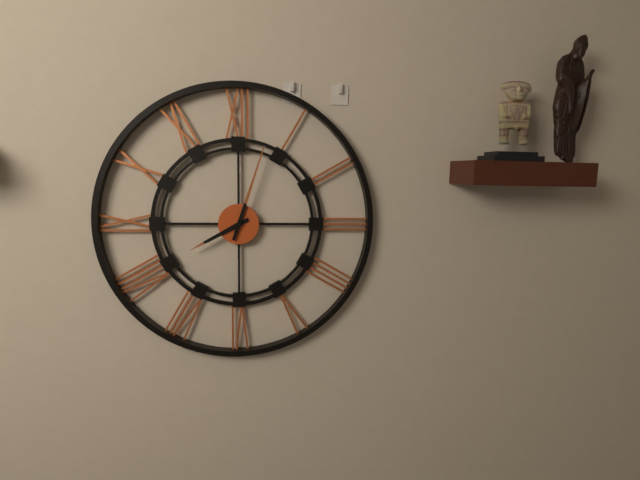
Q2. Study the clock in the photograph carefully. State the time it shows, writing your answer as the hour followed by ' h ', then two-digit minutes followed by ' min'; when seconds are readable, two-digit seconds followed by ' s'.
8 h 03 min
